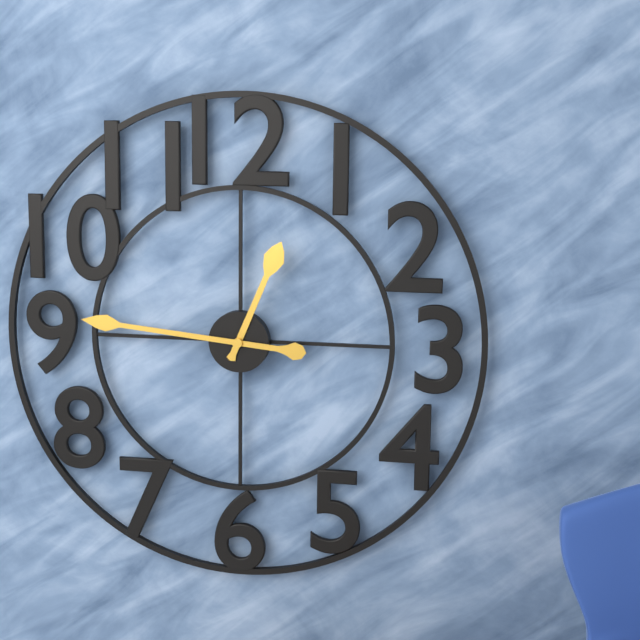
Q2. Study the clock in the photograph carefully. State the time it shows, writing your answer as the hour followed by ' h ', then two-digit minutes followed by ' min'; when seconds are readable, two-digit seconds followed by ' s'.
12 h 46 min
